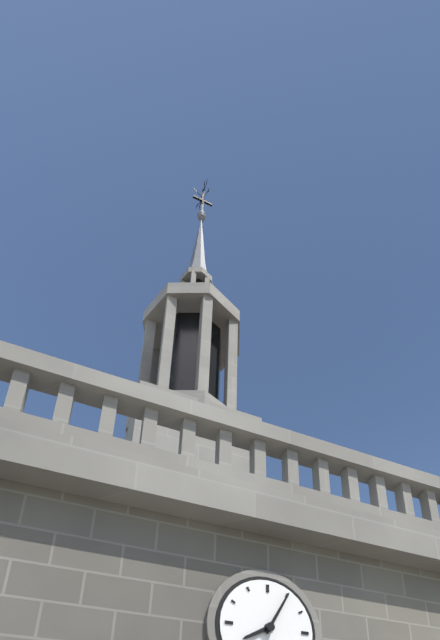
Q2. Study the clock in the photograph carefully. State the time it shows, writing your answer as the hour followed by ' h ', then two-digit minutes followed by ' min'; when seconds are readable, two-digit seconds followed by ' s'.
8 h 05 min
